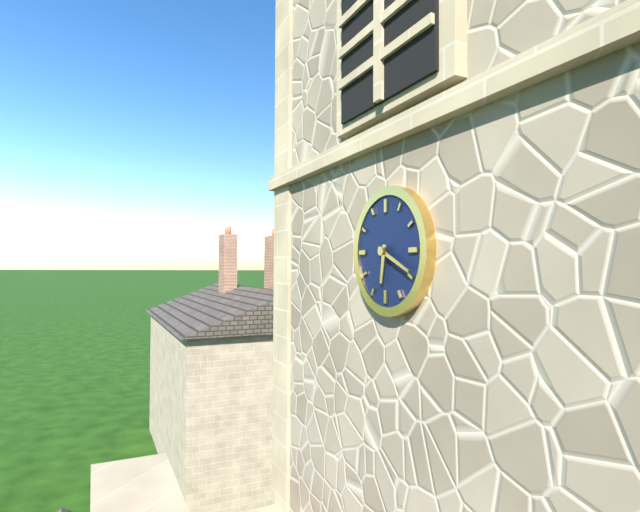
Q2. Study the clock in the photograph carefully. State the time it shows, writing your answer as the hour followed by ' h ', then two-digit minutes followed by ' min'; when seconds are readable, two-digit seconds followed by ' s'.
6 h 19 min
